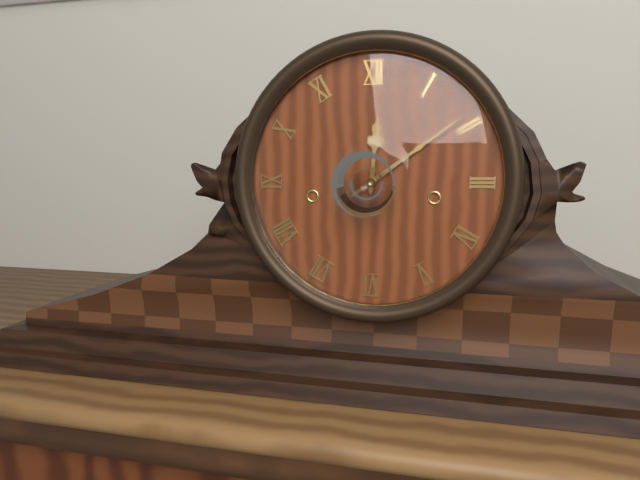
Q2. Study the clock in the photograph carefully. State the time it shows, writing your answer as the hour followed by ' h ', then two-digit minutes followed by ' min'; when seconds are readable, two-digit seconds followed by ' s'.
12 h 09 min
